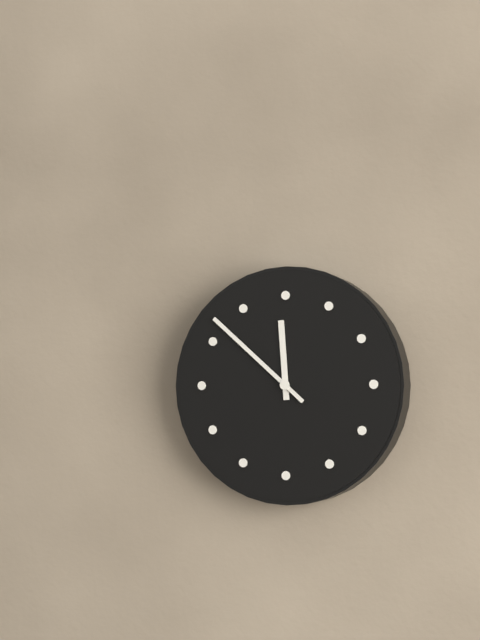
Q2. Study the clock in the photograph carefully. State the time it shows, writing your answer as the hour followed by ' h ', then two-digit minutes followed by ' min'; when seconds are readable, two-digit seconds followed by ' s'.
11 h 52 min
